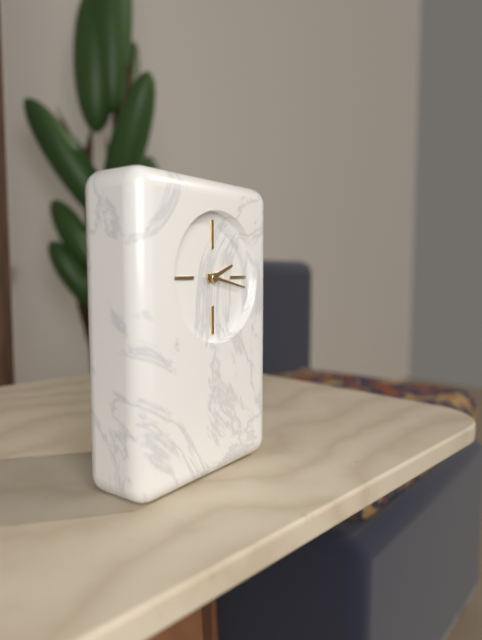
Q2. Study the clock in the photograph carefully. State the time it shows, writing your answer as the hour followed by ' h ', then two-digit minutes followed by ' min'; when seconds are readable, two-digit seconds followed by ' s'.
2 h 17 min
